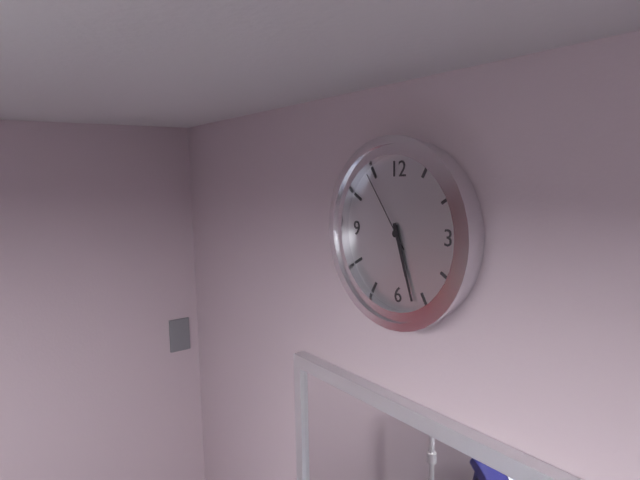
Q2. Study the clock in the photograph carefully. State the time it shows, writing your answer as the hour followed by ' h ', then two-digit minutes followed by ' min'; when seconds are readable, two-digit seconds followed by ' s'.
5 h 27 min 54 s
